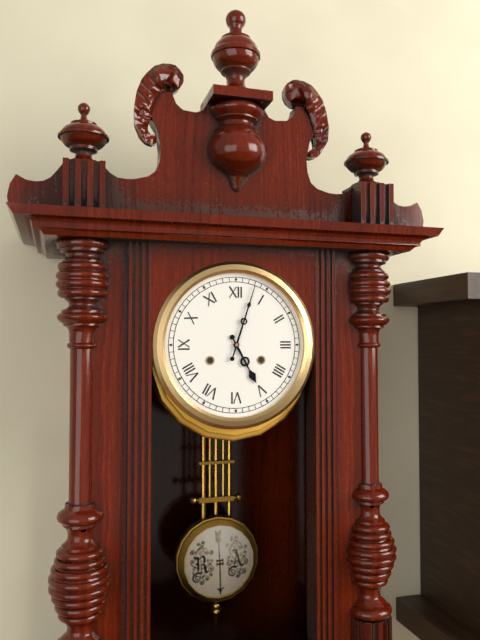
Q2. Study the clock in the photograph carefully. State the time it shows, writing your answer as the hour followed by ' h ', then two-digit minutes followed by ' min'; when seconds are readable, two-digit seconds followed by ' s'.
5 h 03 min
